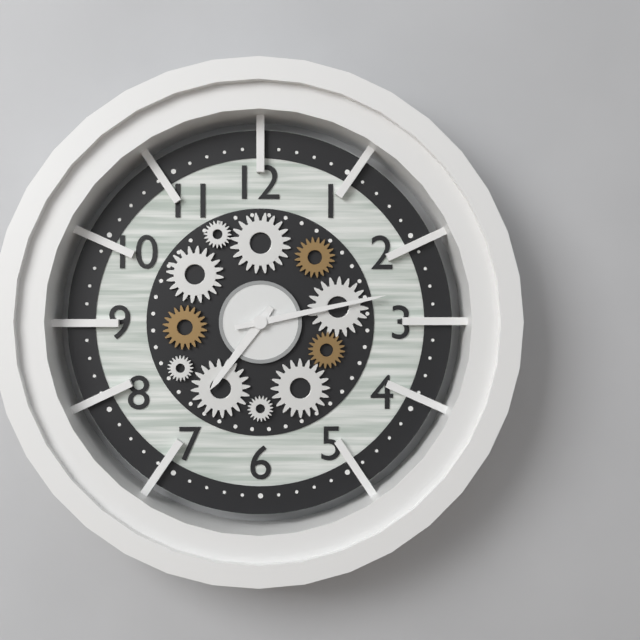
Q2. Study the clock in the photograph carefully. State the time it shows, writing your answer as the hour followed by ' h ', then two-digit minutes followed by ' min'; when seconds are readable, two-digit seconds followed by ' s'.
7 h 13 min
